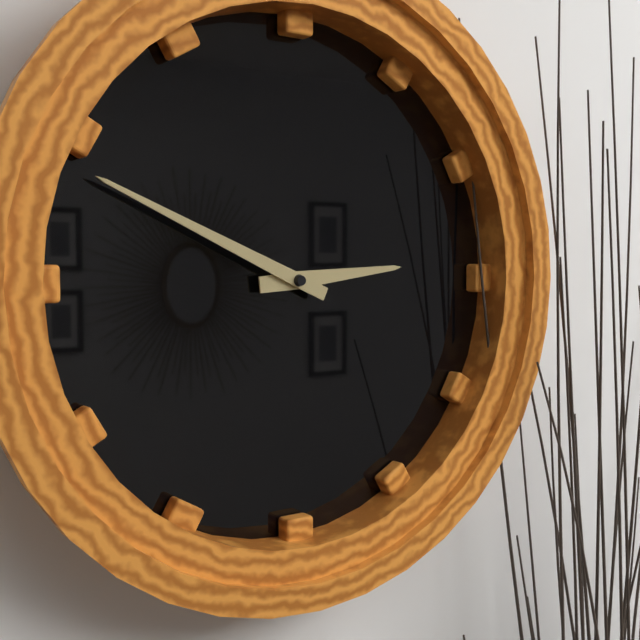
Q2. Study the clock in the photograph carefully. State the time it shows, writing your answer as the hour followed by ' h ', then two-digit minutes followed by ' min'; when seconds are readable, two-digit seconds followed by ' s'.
2 h 49 min
